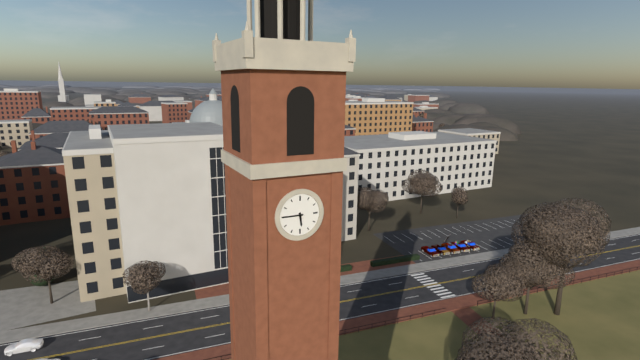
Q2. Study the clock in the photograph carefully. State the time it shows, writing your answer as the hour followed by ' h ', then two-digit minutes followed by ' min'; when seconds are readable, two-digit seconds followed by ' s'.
5 h 45 min
